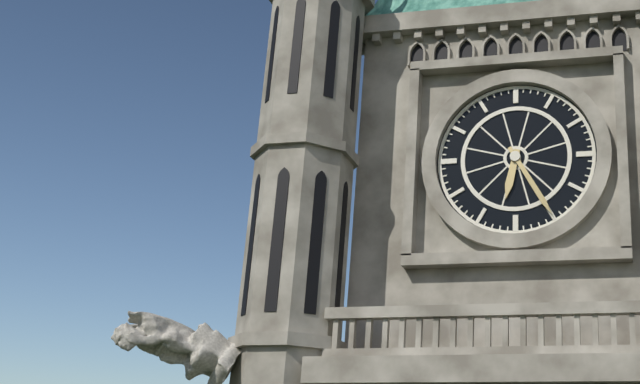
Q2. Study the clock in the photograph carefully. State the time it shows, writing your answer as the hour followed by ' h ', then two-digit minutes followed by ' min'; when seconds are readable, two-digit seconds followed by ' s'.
6 h 25 min
